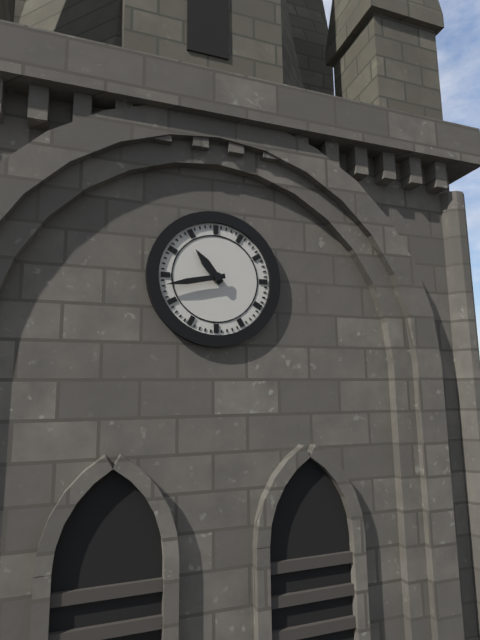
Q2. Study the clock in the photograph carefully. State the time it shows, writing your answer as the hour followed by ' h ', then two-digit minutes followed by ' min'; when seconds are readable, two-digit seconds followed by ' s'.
10 h 43 min
